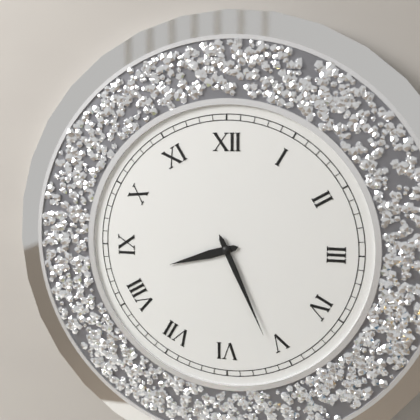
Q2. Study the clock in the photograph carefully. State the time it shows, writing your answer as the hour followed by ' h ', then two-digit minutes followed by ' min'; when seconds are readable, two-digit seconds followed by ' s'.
8 h 26 min
